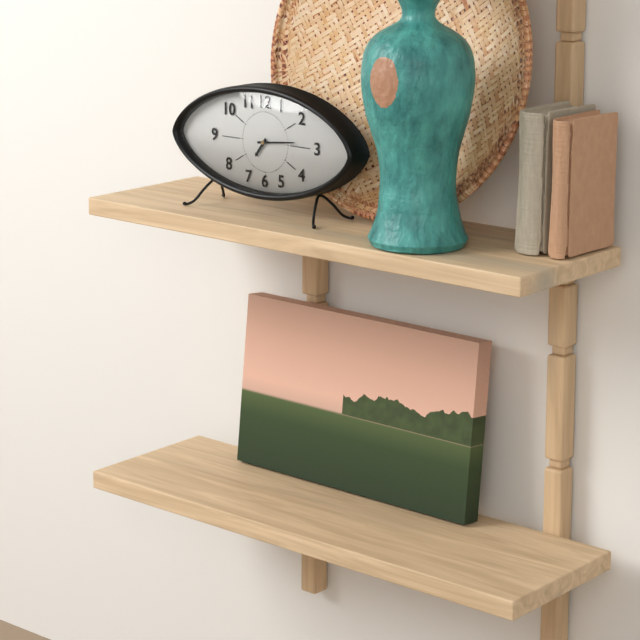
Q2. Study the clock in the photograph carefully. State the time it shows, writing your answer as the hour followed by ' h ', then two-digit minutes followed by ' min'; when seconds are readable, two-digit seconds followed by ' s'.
7 h 14 min
